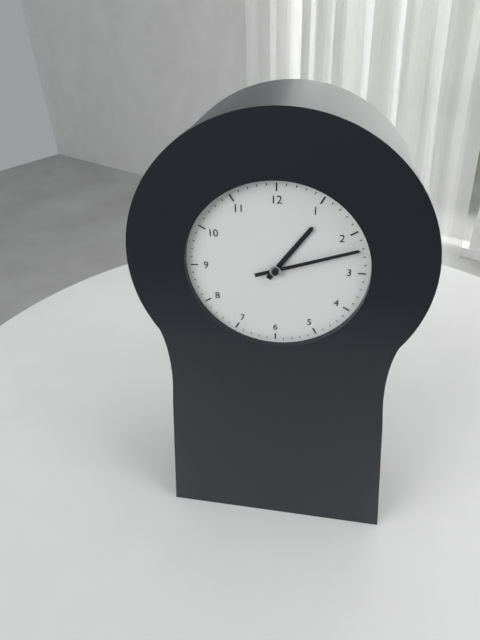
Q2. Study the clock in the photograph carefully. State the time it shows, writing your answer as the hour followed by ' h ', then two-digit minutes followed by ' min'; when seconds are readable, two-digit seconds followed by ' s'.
1 h 12 min
